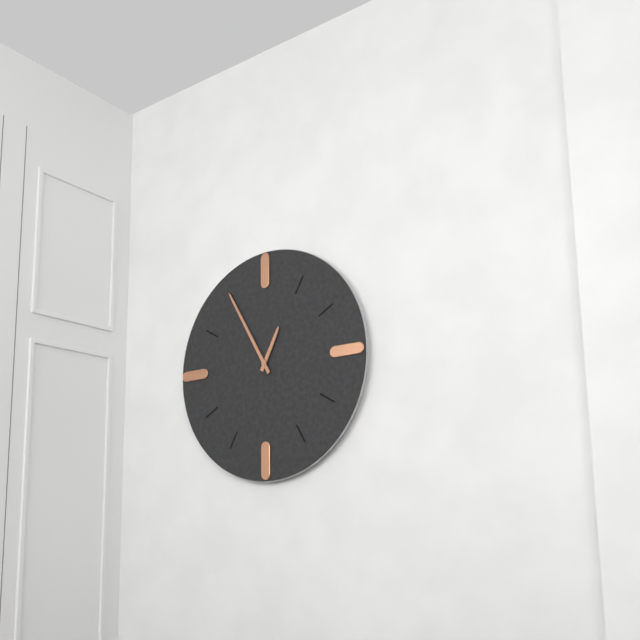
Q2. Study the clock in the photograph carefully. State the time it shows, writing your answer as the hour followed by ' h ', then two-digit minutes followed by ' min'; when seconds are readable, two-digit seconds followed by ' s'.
12 h 55 min
